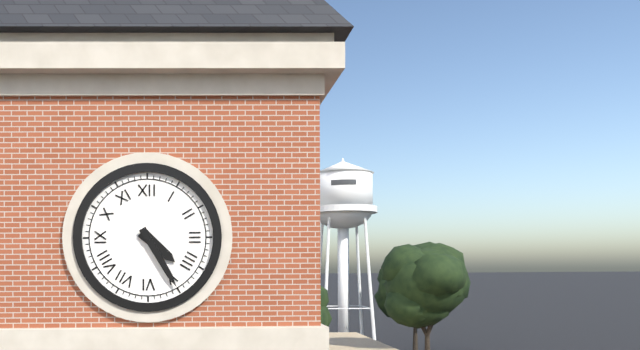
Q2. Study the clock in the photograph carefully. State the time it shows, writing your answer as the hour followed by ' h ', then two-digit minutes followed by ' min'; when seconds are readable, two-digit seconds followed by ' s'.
4 h 25 min
